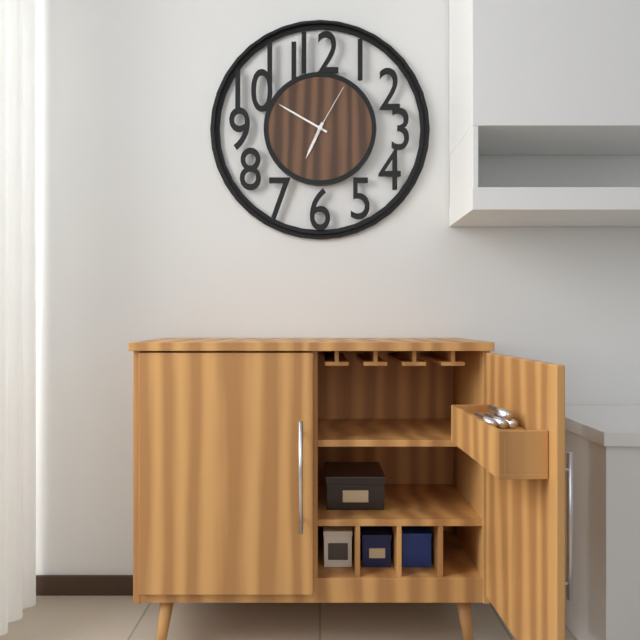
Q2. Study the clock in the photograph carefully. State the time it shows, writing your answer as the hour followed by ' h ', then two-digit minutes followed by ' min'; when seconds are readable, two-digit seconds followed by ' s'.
6 h 50 min 05 s
